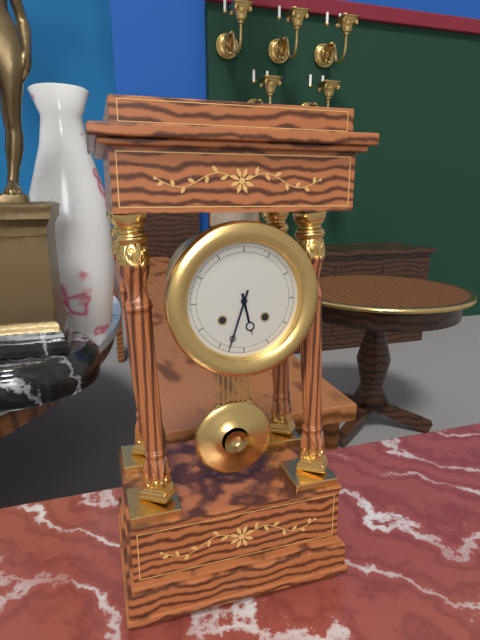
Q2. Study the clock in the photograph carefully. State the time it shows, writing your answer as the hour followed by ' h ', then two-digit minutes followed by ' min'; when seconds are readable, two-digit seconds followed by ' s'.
5 h 33 min
